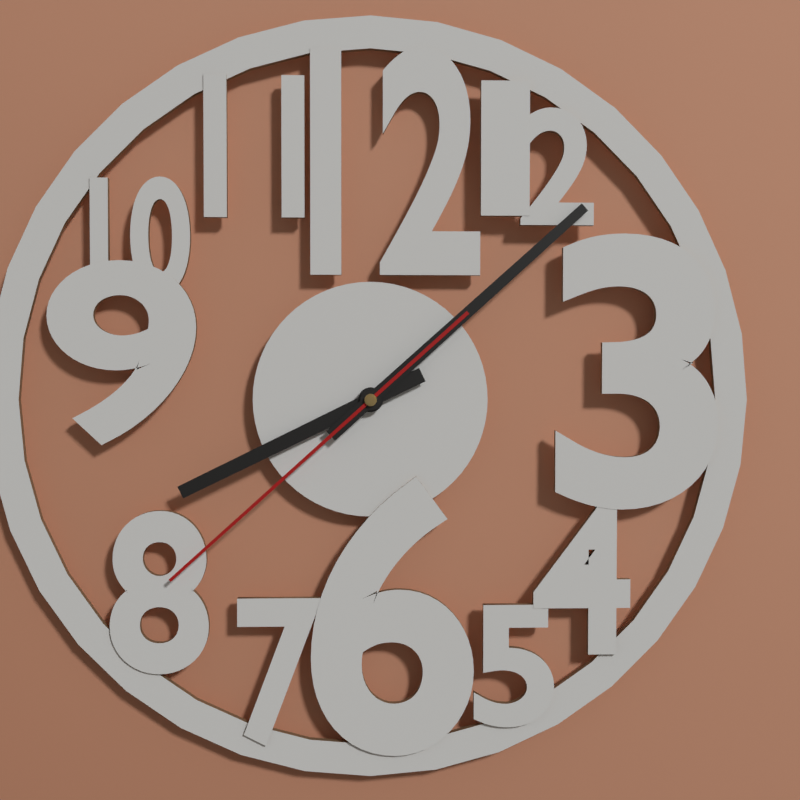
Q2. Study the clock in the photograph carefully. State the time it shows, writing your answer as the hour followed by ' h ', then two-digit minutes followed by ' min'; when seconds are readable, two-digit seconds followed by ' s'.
8 h 08 min 38 s
